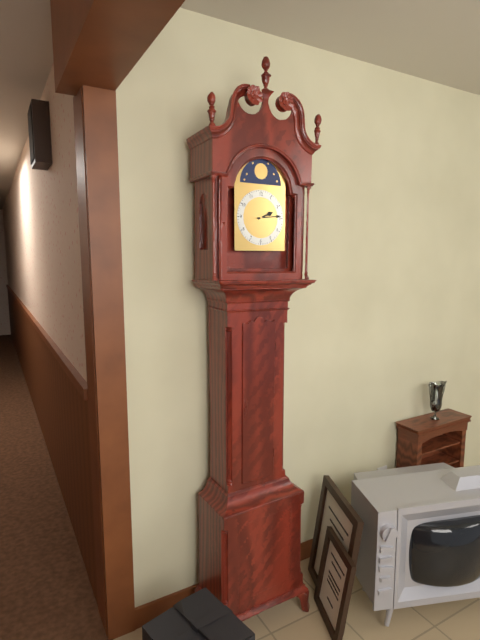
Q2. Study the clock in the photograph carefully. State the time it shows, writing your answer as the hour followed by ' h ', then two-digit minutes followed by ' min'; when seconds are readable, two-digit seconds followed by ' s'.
2 h 14 min
